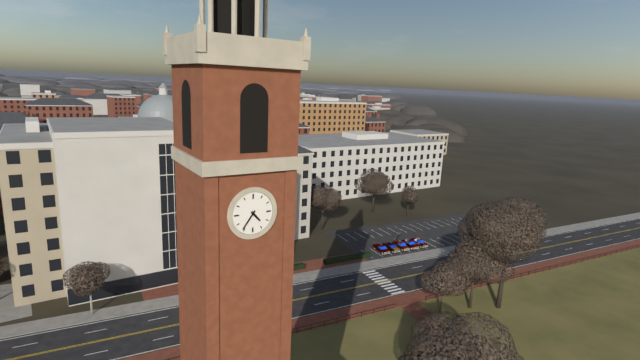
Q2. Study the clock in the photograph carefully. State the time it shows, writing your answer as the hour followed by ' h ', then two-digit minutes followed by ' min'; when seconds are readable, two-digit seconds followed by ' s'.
4 h 36 min
